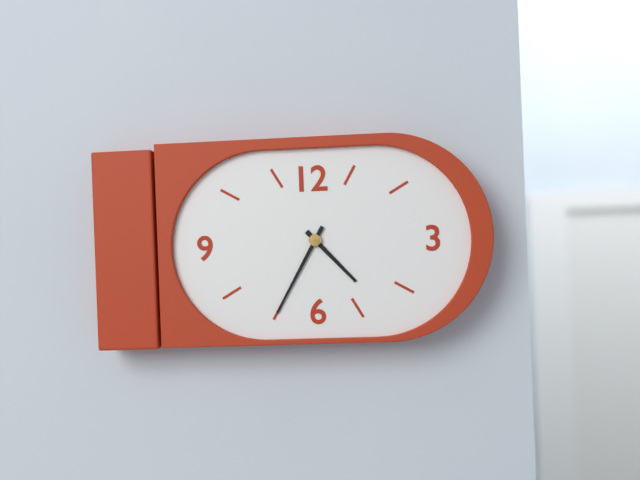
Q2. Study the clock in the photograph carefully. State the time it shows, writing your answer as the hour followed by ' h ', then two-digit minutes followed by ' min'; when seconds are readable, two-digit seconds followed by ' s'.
4 h 35 min
